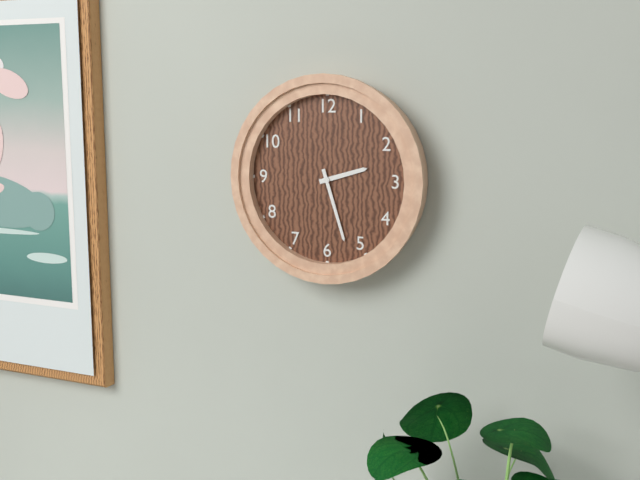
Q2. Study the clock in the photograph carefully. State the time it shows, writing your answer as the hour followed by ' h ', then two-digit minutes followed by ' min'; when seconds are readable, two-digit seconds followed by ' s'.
2 h 27 min
